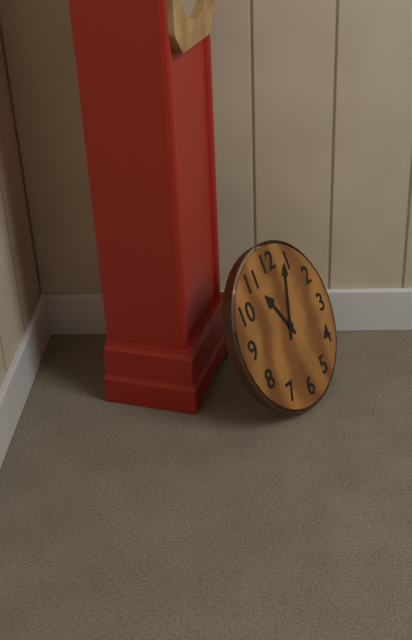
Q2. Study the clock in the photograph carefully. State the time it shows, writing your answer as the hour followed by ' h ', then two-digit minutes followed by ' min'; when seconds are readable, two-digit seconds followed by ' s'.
11 h 04 min
